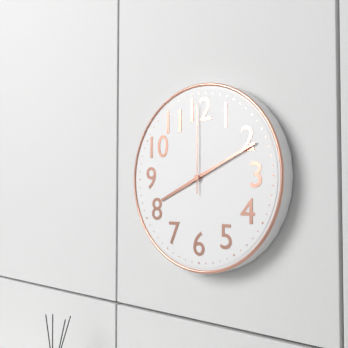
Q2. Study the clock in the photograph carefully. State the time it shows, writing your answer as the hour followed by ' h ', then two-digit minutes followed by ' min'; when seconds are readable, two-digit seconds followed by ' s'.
8 h 11 min 00 s
